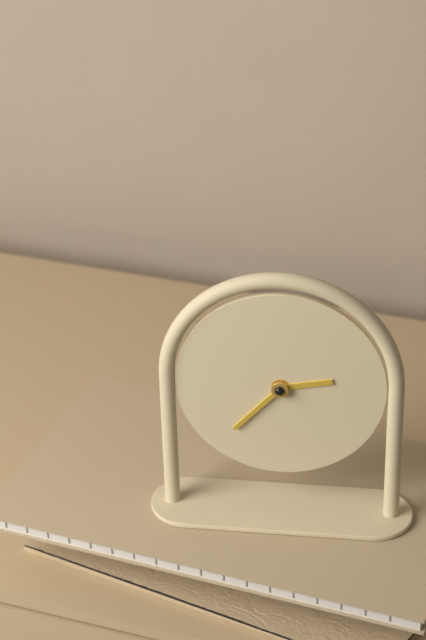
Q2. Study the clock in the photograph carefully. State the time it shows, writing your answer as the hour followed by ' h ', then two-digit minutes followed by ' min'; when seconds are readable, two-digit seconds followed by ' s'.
2 h 37 min
